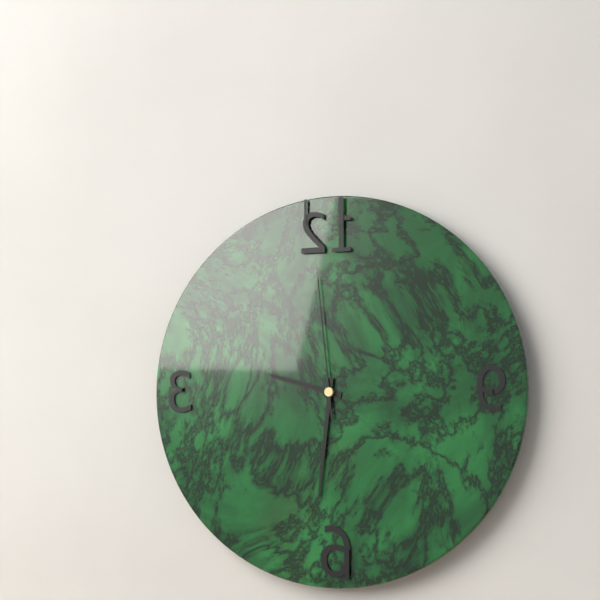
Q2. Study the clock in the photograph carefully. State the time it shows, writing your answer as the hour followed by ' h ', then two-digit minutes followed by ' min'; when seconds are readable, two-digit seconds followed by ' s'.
9 h 31 min 59 s
